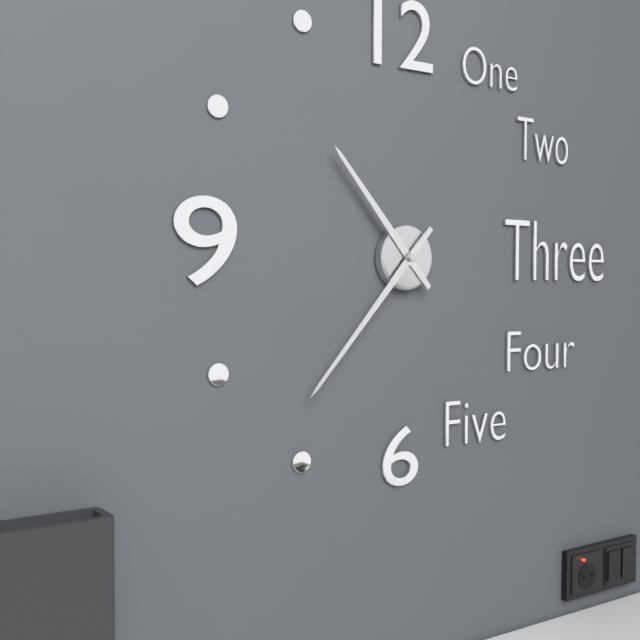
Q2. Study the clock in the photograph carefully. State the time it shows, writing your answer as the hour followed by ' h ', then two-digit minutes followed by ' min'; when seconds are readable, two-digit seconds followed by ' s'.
10 h 37 min
